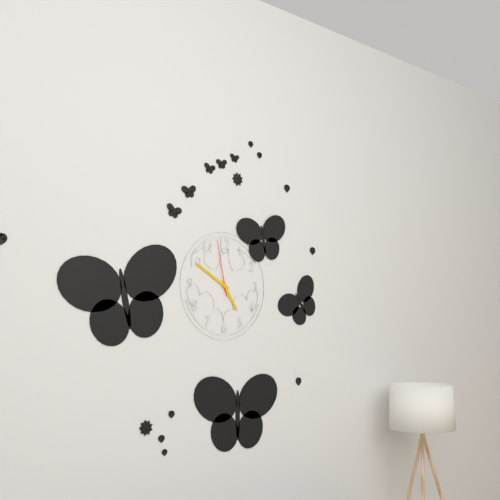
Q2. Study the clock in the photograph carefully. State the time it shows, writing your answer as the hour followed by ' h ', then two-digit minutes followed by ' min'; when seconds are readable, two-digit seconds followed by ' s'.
4 h 50 min 58 s
